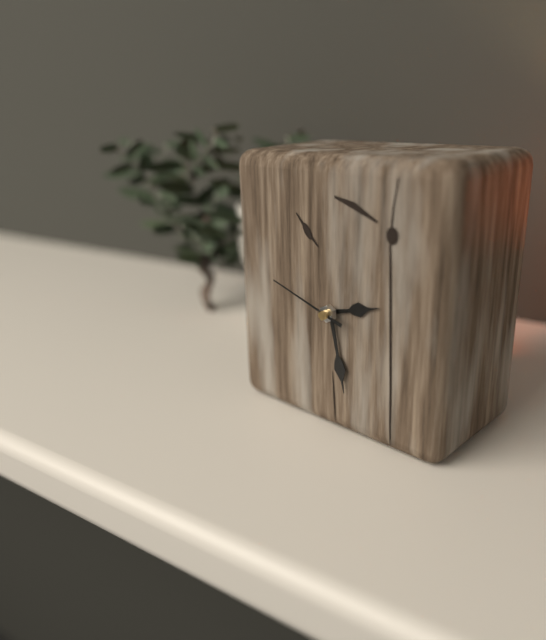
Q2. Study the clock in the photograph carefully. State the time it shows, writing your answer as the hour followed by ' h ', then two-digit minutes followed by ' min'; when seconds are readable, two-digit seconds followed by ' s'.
2 h 28 min 48 s
